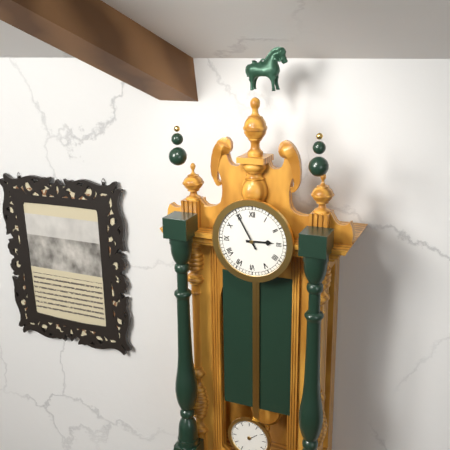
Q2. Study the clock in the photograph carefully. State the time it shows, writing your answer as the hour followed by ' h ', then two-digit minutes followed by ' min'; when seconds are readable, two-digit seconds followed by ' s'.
2 h 55 min
